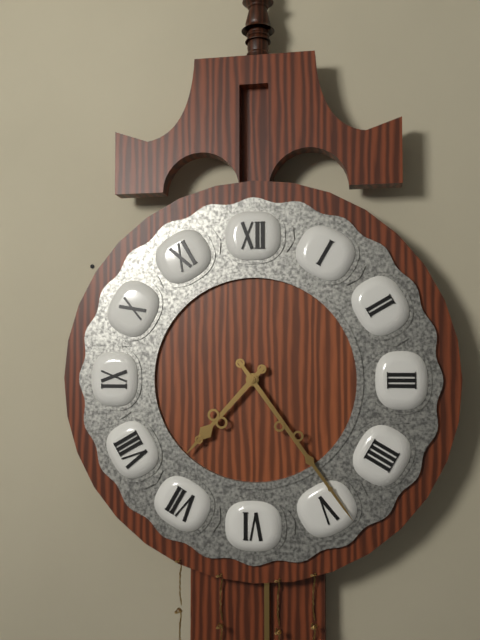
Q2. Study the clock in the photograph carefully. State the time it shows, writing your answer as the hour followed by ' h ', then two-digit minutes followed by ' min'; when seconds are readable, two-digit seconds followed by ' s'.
7 h 24 min
